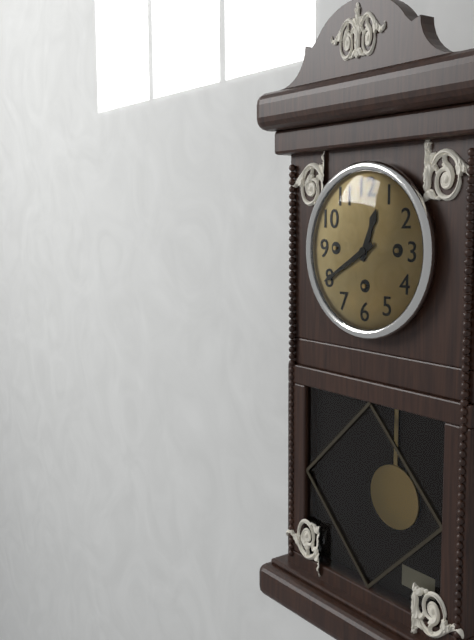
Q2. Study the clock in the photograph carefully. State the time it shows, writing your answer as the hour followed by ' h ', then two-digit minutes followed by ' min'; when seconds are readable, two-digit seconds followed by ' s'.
12 h 40 min
